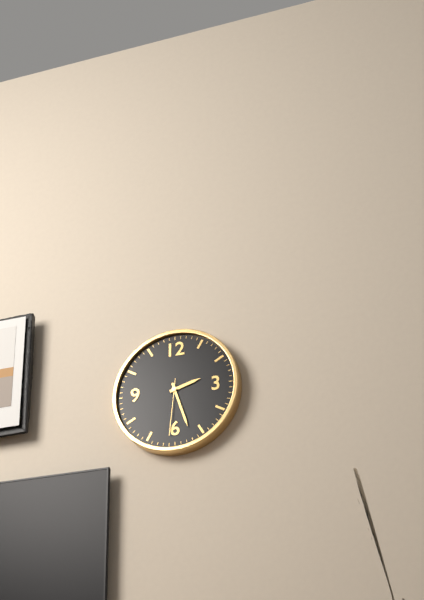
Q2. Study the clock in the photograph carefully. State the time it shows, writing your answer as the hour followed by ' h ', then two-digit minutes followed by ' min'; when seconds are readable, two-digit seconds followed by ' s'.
2 h 27 min 31 s
